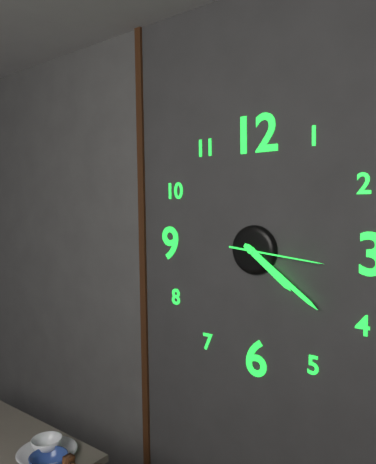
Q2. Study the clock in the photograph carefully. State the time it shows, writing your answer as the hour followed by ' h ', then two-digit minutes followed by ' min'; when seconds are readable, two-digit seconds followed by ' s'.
4 h 21 min 16 s
